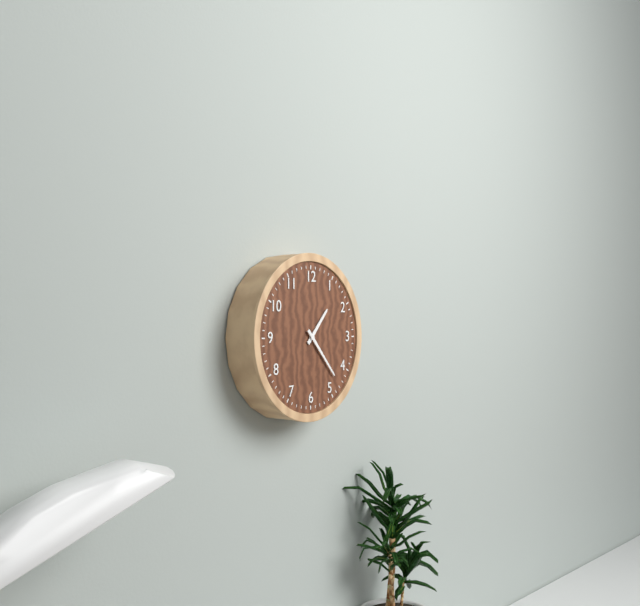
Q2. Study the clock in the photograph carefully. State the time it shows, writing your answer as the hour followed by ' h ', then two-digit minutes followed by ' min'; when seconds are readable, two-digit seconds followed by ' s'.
1 h 23 min
